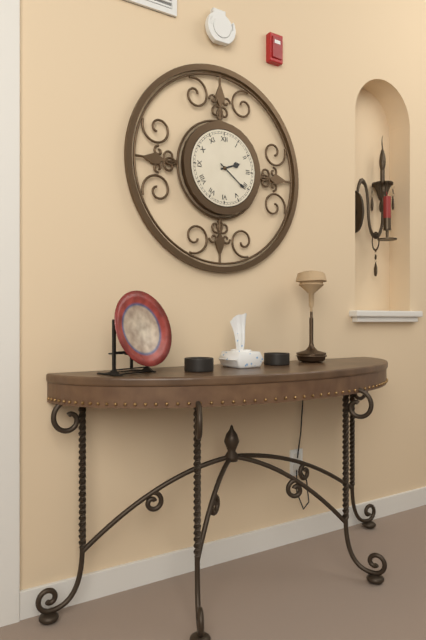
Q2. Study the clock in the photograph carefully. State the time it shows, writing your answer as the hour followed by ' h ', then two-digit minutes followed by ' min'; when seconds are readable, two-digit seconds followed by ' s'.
2 h 21 min
